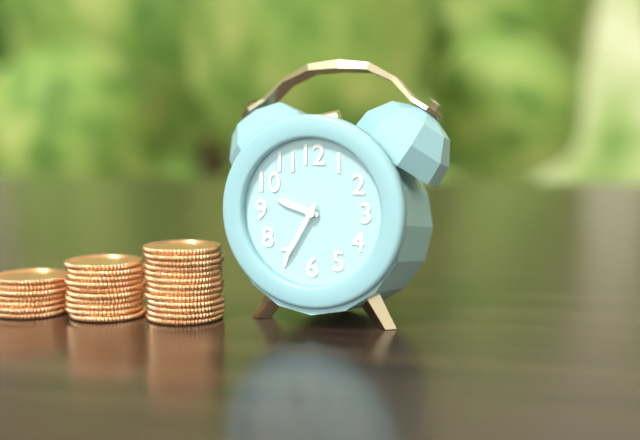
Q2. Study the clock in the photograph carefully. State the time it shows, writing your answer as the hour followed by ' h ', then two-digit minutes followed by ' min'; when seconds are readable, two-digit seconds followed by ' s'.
9 h 35 min
